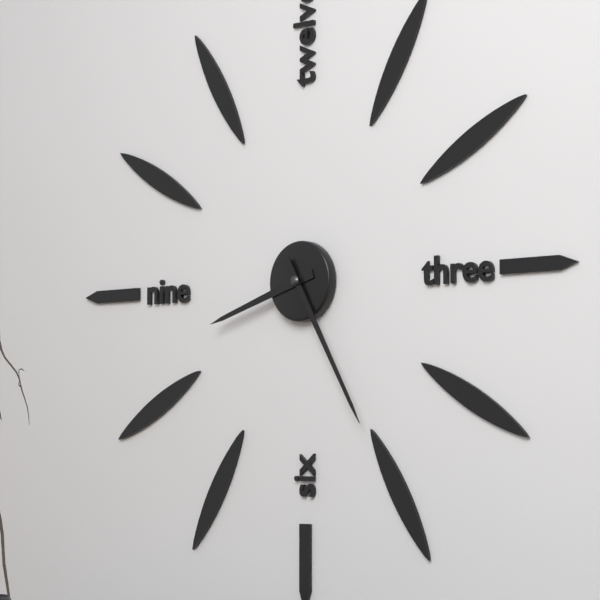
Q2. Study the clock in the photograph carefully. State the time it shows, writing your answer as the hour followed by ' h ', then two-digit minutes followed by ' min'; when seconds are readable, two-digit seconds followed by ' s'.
8 h 25 min
